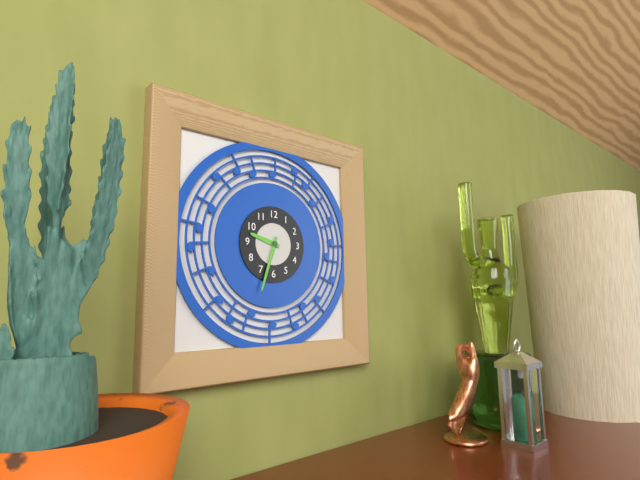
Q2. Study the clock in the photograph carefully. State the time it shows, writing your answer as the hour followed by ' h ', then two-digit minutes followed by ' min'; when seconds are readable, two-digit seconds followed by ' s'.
9 h 33 min
